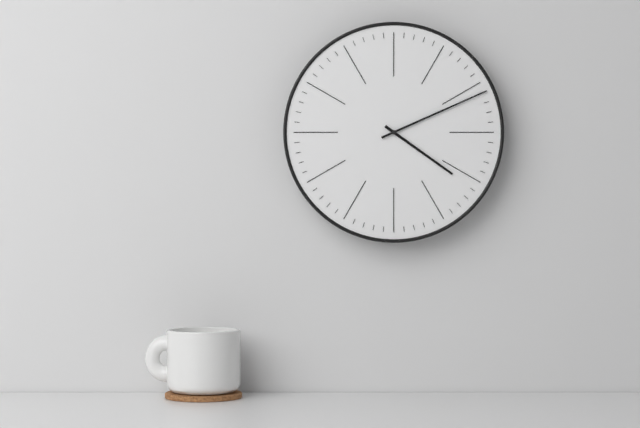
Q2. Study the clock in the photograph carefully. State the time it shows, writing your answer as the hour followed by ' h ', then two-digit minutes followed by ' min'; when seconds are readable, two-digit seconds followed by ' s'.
4 h 11 min
